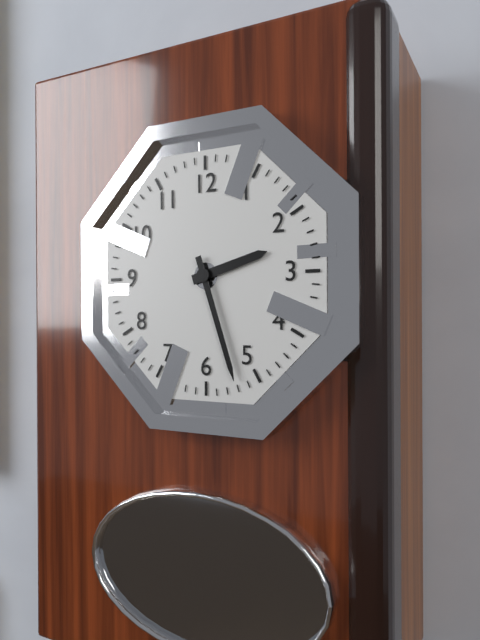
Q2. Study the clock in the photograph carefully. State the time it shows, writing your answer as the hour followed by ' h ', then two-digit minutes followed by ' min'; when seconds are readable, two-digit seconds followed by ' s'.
2 h 27 min
